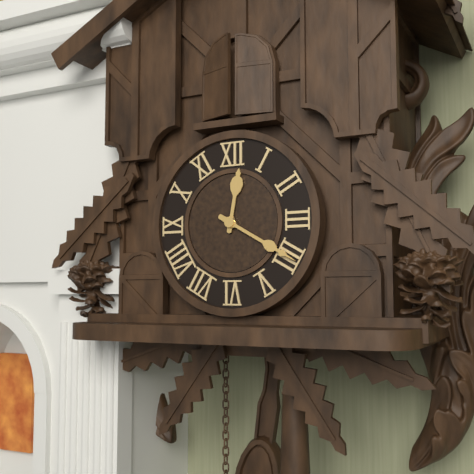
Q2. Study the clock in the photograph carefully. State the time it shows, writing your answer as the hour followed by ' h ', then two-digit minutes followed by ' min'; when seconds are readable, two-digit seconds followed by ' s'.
12 h 20 min
